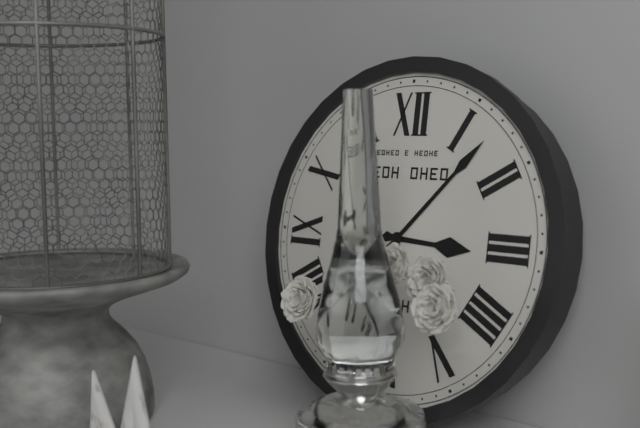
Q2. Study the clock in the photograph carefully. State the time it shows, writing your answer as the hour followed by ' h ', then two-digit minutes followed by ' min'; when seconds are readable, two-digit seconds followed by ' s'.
3 h 07 min
